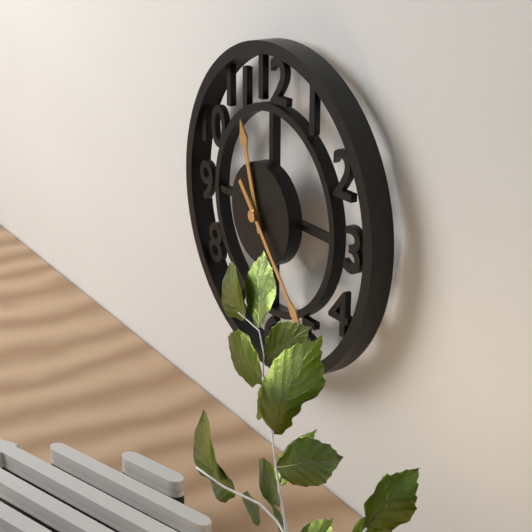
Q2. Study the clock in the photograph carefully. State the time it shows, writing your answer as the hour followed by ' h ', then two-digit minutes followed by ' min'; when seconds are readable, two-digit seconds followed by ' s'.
11 h 23 min
